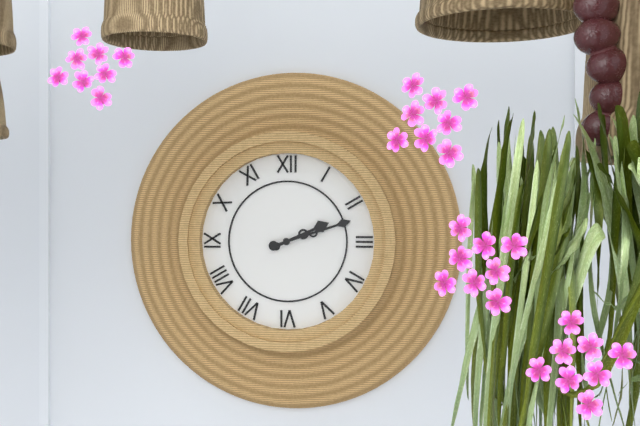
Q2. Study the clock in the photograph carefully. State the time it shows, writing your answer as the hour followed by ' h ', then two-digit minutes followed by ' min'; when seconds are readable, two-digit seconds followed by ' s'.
2 h 12 min
